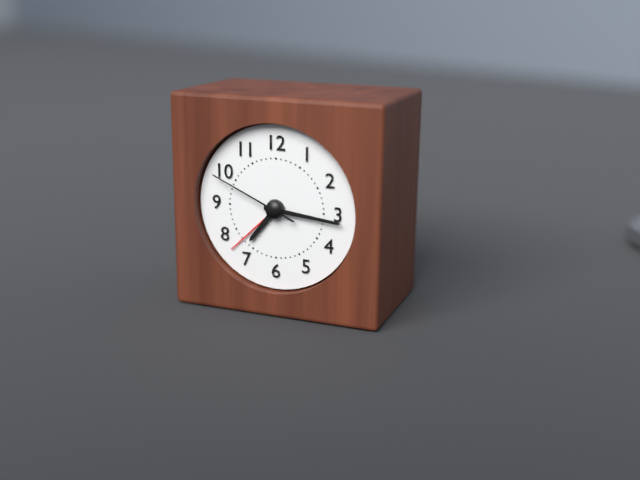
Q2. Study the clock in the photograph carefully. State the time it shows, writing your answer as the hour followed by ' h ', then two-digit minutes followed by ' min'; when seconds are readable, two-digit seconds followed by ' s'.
7 h 16 min 49 s
